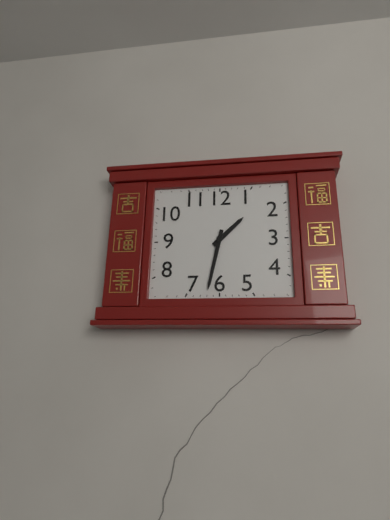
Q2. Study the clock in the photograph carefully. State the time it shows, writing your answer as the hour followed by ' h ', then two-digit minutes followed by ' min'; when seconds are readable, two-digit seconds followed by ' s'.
1 h 32 min
